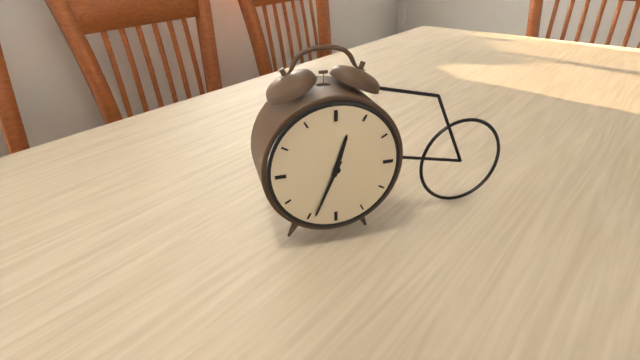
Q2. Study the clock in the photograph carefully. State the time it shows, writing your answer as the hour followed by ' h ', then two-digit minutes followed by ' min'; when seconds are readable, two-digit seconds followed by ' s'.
12 h 34 min
